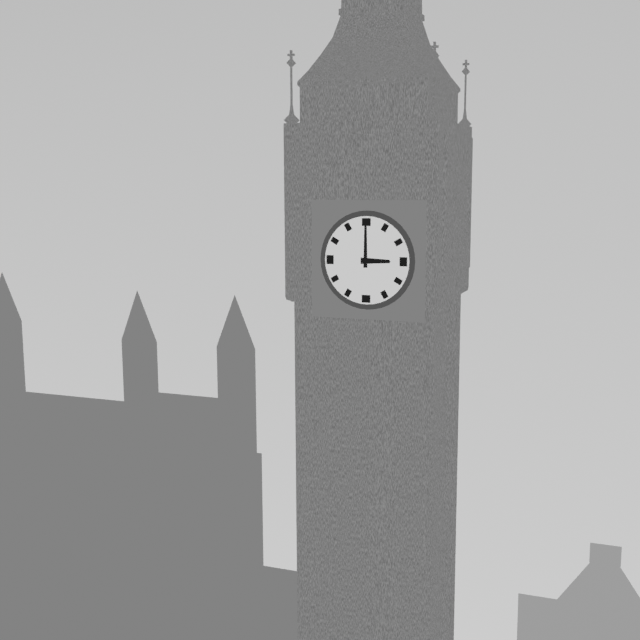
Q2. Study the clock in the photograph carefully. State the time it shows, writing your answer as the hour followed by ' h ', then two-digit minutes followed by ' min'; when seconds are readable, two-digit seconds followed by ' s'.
3 h 00 min
